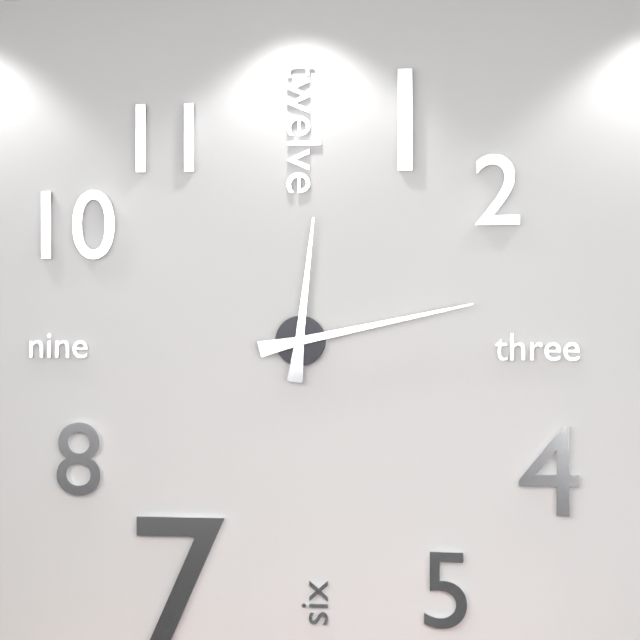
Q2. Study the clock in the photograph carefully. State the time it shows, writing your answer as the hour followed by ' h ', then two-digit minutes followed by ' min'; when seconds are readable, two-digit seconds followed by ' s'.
12 h 13 min
